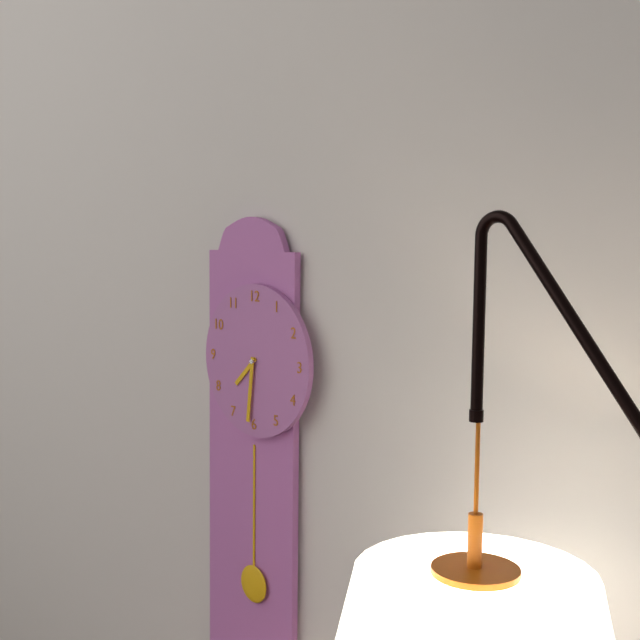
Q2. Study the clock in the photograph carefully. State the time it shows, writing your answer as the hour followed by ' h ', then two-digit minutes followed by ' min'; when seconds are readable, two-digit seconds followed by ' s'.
7 h 31 min
